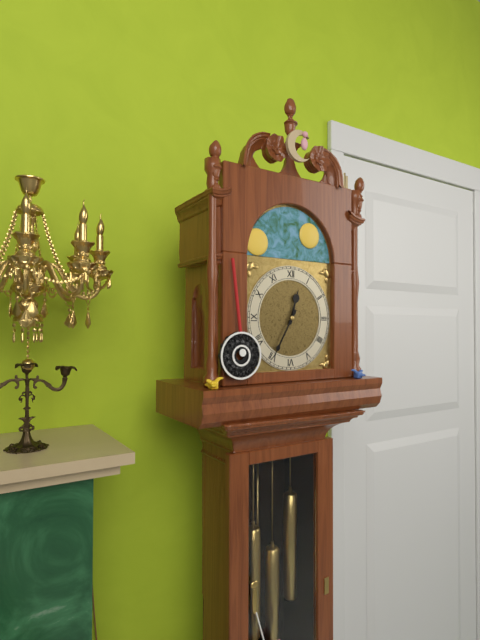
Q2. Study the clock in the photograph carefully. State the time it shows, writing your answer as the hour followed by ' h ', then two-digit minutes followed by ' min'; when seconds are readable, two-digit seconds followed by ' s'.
12 h 35 min
